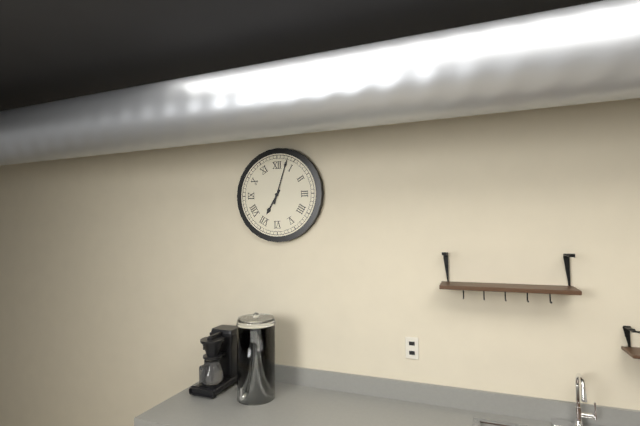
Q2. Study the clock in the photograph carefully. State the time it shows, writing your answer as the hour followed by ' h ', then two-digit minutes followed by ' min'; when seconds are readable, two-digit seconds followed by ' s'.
7 h 03 min
